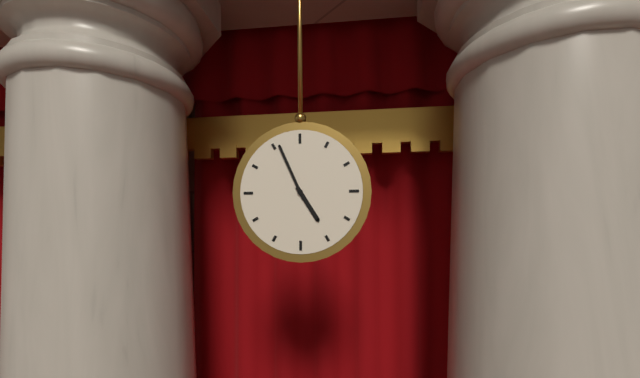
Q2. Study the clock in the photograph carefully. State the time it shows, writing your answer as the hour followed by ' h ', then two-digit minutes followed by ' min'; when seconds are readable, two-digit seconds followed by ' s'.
4 h 56 min
